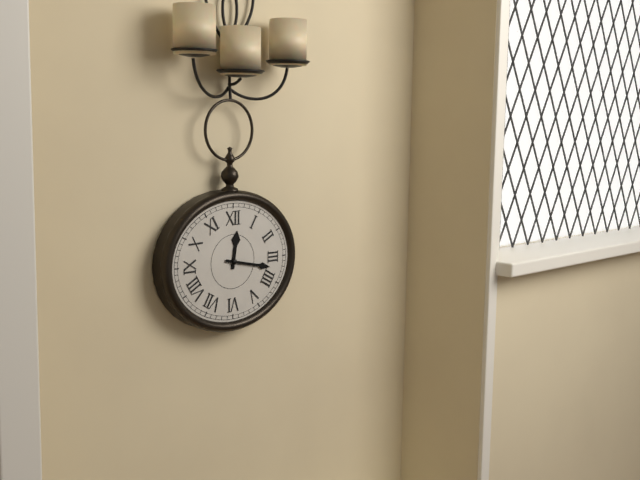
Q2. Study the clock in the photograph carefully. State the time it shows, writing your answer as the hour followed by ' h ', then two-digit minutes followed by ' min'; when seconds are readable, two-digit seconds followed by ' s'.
12 h 17 min
